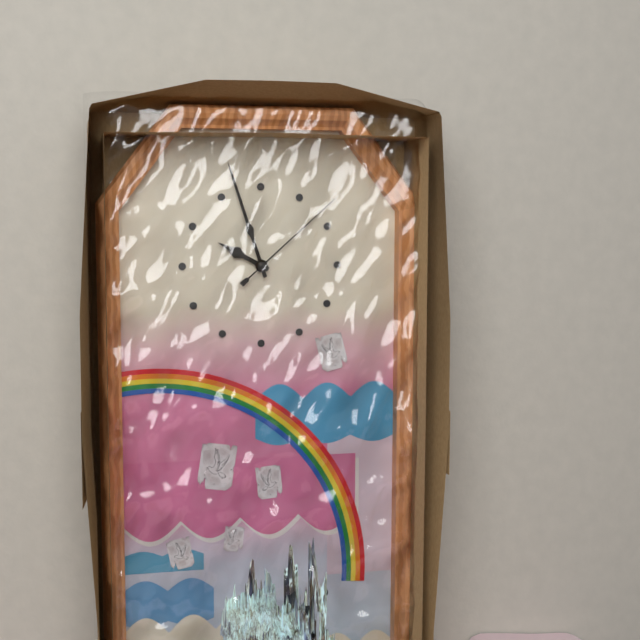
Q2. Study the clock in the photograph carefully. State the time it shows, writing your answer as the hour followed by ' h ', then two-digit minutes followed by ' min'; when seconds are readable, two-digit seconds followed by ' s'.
9 h 57 min 08 s
